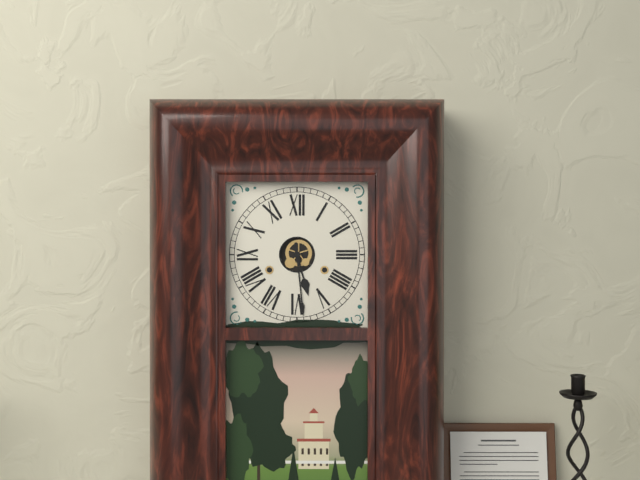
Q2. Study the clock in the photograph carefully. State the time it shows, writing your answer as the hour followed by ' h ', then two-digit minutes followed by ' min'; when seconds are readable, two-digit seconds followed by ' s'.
5 h 29 min
